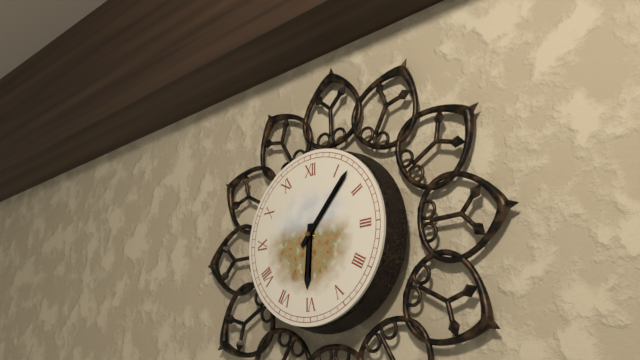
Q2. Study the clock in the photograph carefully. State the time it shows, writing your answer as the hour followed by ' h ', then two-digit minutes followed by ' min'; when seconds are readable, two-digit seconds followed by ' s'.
6 h 07 min
